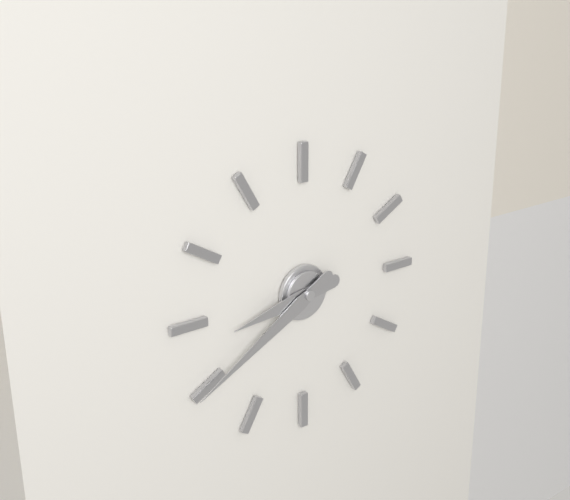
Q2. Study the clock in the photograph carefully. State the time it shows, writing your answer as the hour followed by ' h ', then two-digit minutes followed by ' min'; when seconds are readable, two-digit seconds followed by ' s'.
8 h 40 min
